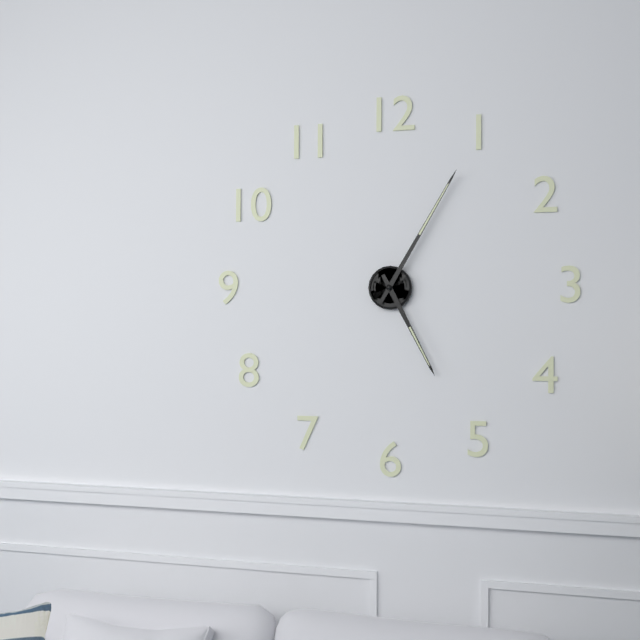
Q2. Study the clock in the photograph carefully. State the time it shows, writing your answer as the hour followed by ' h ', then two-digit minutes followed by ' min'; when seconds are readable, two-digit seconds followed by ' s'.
5 h 05 min
